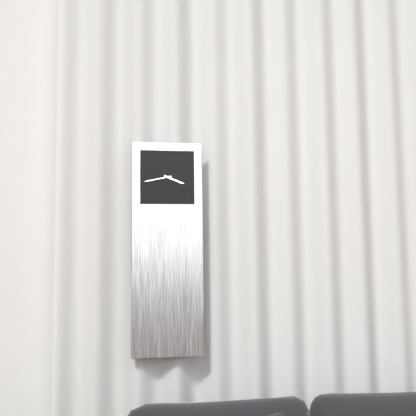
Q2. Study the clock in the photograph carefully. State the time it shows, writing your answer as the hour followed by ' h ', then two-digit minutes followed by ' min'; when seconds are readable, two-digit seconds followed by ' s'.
3 h 43 min
